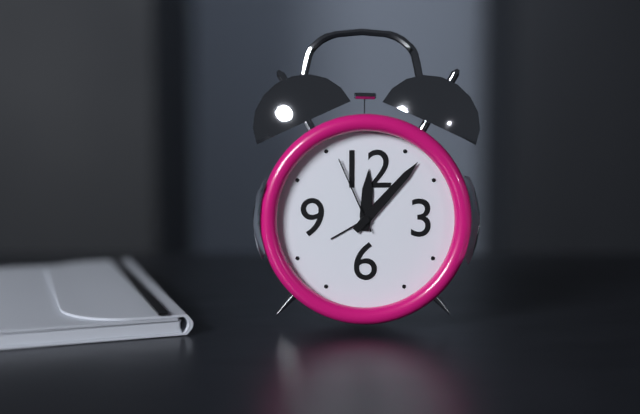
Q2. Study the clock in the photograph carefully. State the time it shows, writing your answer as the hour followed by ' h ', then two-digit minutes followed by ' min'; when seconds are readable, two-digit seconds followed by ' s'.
12 h 07 min 56 s
